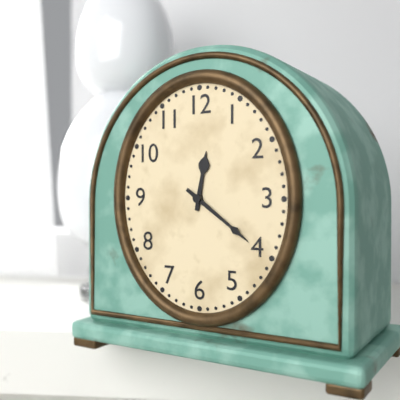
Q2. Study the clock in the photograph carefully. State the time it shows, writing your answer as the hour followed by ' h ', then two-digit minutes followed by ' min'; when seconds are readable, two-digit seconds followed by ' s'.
12 h 21 min
